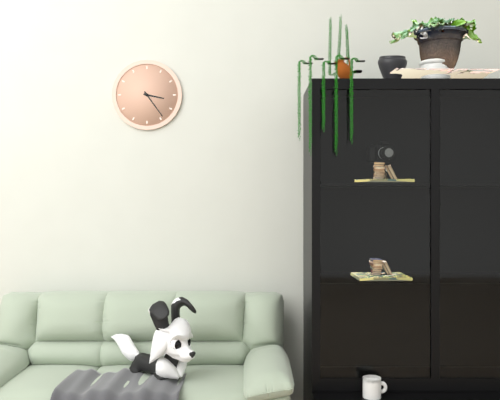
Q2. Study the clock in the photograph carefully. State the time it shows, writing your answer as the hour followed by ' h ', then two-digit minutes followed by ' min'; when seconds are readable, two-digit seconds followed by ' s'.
3 h 24 min
